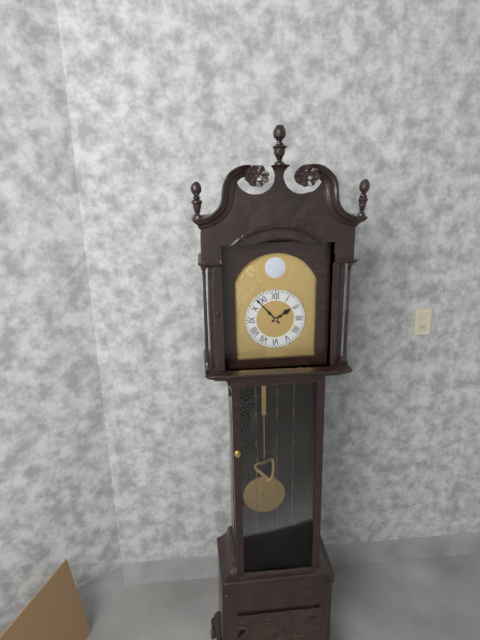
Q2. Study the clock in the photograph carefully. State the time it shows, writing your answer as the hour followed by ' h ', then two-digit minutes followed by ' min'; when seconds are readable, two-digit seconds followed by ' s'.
1 h 53 min
